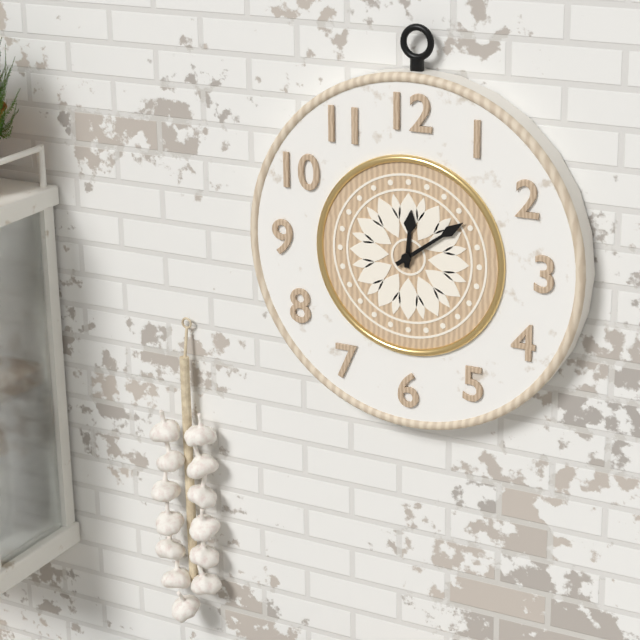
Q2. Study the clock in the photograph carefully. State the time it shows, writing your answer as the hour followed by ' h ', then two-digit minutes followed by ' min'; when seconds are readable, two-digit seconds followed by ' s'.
12 h 09 min
